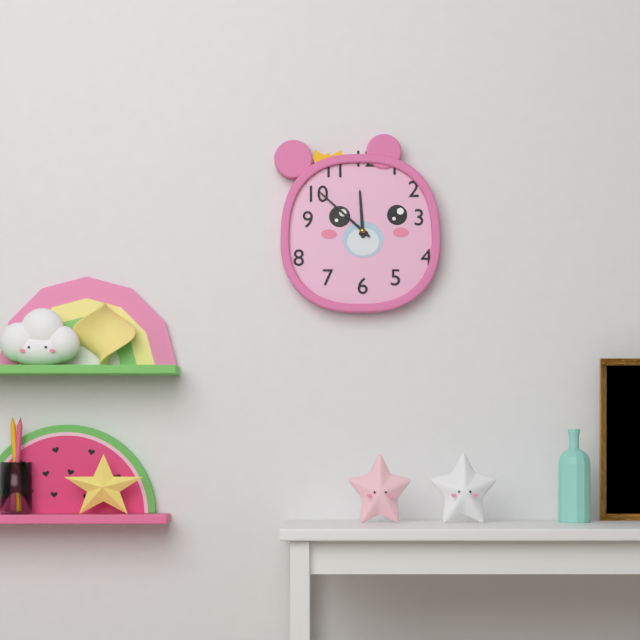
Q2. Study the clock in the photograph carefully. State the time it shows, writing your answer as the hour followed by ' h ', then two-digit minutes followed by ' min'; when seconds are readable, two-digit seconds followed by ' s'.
11 h 52 min
